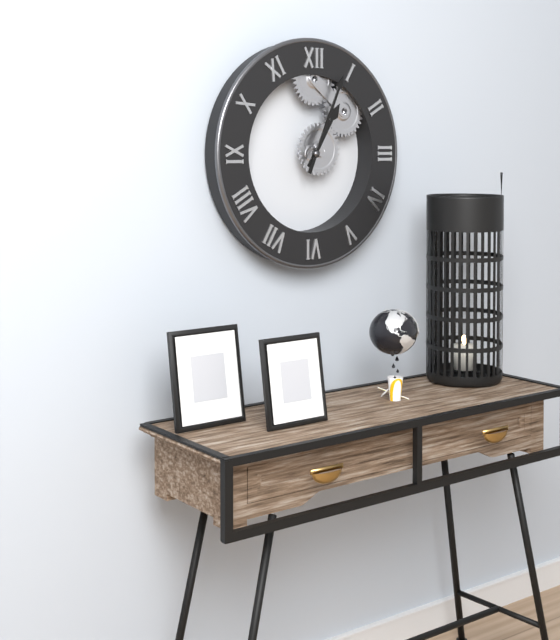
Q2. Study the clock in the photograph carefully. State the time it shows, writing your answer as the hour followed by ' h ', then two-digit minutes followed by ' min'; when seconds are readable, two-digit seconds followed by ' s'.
1 h 04 min
